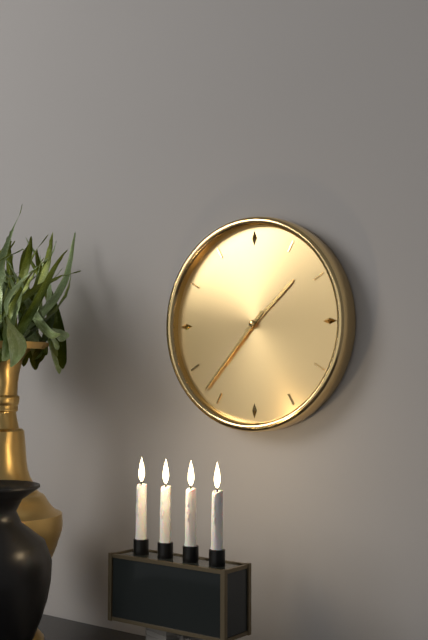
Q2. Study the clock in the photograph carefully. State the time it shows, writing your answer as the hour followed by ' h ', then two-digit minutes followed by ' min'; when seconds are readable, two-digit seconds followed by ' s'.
1 h 37 min
